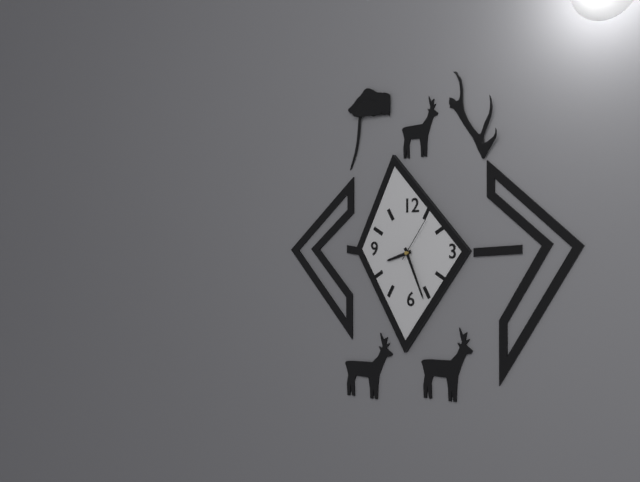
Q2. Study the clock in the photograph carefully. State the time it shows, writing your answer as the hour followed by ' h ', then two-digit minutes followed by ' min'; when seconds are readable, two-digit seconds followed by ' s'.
8 h 26 min
